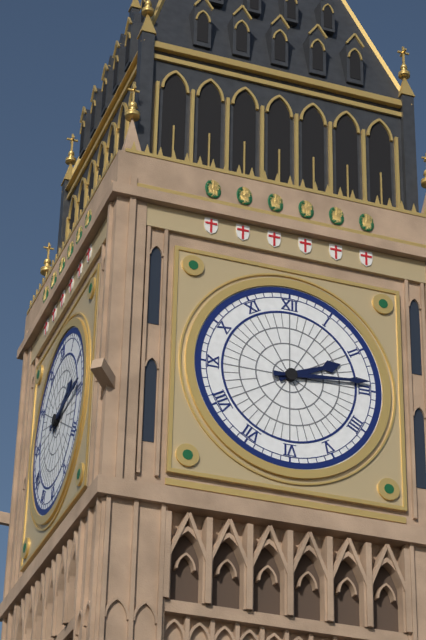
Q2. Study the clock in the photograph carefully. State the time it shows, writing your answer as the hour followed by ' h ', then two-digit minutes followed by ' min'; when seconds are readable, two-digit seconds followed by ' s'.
2 h 14 min
